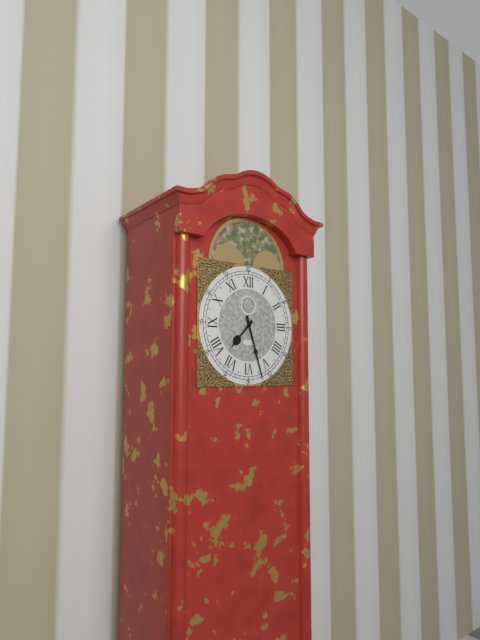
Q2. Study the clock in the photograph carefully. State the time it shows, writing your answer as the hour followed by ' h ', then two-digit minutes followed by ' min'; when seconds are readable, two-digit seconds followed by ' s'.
7 h 27 min
